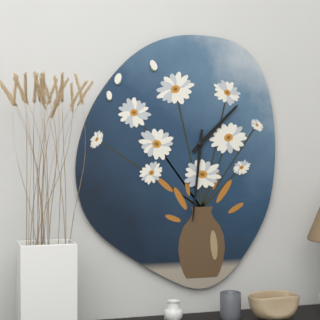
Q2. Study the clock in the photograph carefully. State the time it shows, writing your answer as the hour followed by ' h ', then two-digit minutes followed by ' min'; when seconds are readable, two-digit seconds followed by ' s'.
1 h 31 min
